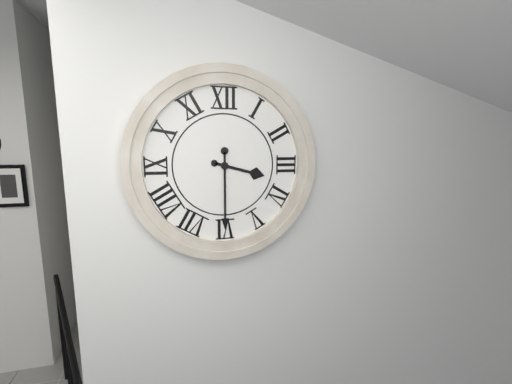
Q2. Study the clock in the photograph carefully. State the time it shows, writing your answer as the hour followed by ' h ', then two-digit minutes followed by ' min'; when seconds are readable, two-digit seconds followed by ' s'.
3 h 30 min
